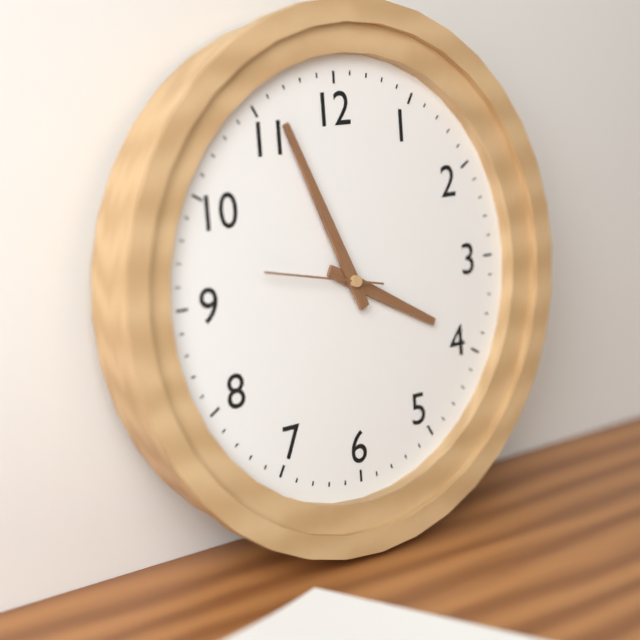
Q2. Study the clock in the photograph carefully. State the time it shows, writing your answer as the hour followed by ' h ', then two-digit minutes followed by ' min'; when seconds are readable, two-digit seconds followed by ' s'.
3 h 56 min 47 s
